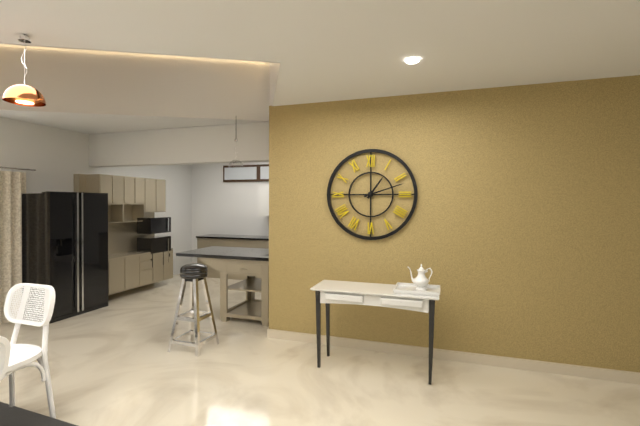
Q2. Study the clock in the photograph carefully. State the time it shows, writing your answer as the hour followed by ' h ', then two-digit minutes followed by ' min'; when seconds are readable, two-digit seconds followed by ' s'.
1 h 12 min
